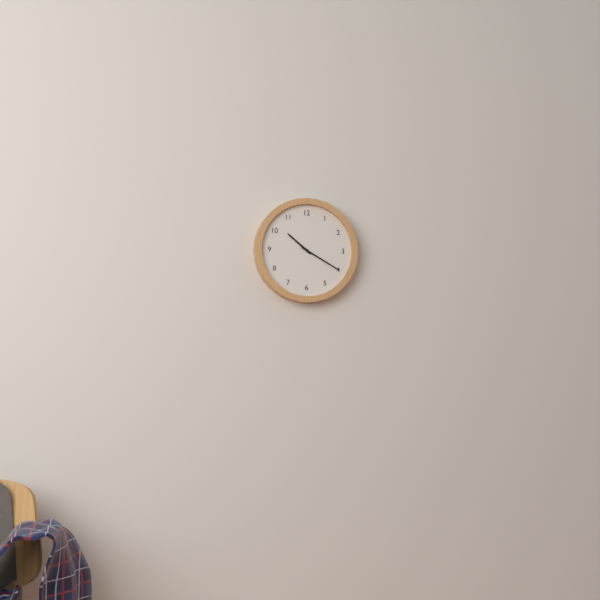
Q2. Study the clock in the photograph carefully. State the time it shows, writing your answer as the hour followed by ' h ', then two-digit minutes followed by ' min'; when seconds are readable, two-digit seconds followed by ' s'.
10 h 20 min
